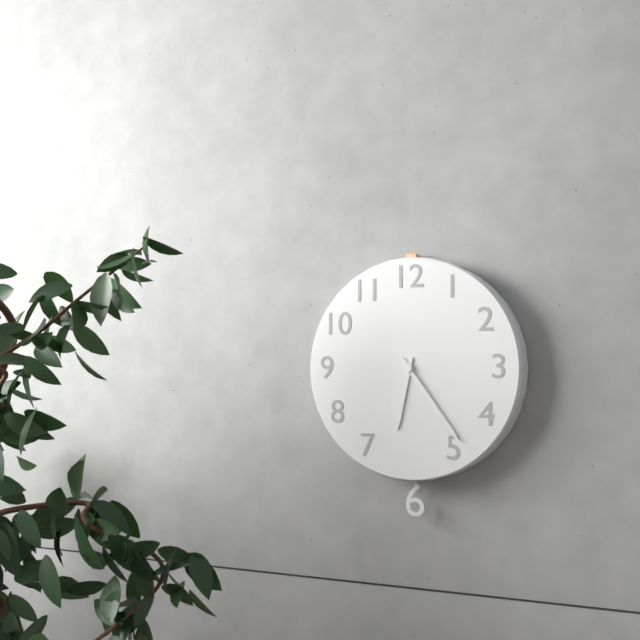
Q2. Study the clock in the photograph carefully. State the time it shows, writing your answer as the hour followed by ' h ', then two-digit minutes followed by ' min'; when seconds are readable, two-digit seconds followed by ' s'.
6 h 24 min
